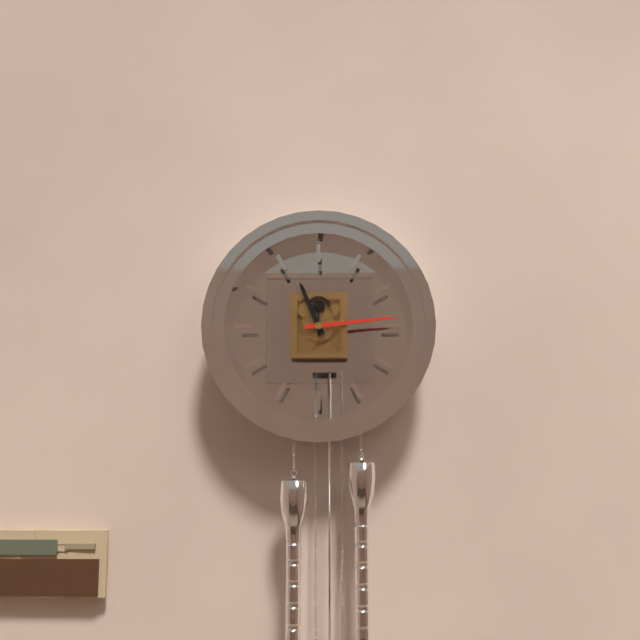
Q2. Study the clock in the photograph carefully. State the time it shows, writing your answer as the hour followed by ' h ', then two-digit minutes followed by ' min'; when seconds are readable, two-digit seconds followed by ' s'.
11 h 14 min
